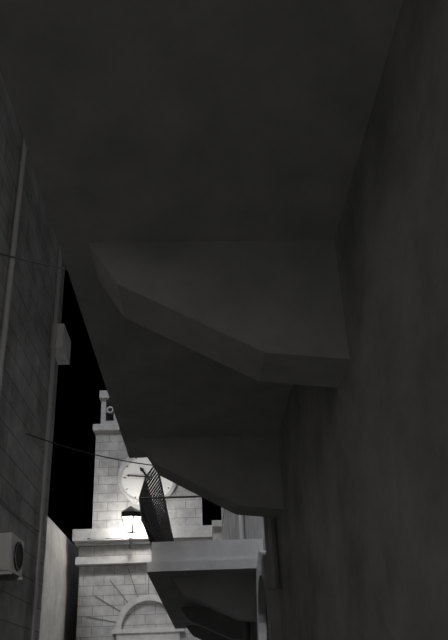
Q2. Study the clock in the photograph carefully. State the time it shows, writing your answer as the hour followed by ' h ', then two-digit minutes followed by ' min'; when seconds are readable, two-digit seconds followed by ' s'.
10 h 46 min
